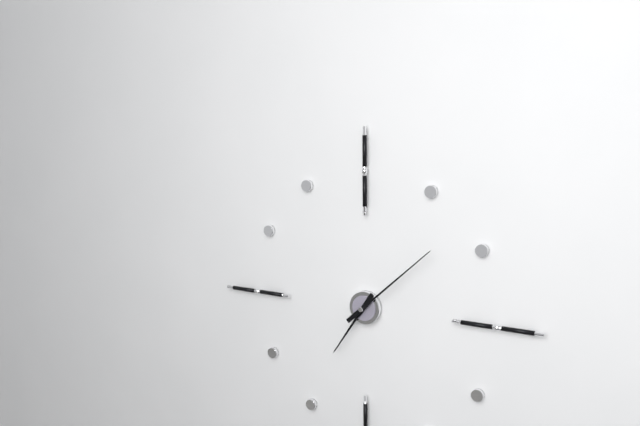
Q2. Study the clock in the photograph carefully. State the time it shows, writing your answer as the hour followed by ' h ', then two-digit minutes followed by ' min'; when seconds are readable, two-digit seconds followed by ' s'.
7 h 08 min
